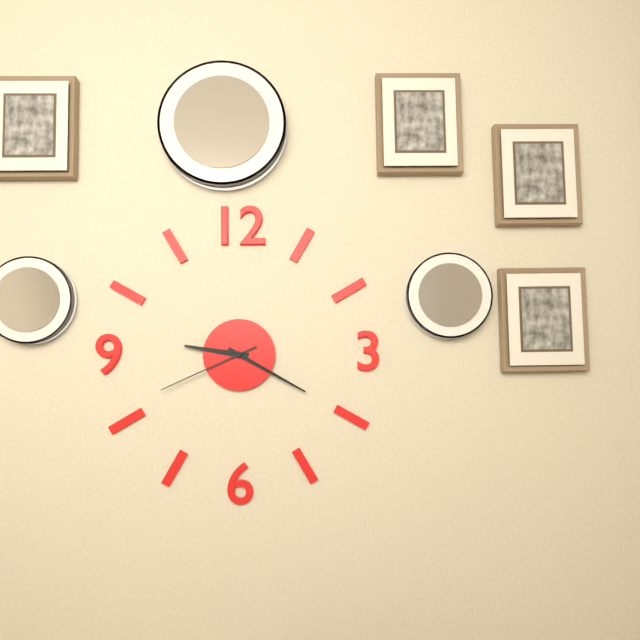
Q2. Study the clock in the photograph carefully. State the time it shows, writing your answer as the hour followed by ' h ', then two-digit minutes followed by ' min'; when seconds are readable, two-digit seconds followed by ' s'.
9 h 20 min 41 s
